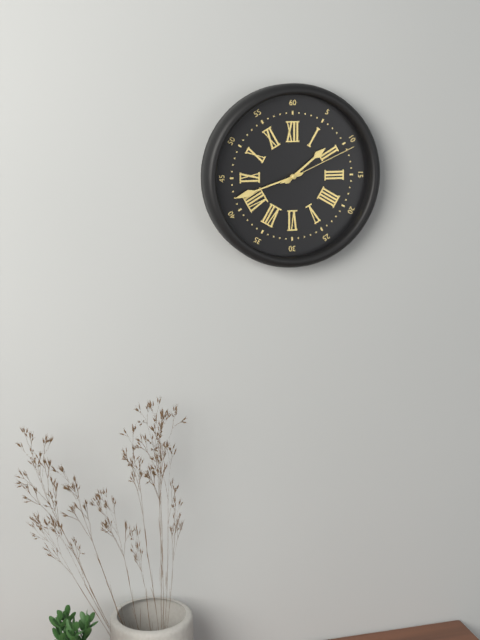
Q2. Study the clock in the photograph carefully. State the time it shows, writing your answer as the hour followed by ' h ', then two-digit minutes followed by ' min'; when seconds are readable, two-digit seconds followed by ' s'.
1 h 42 min 11 s
